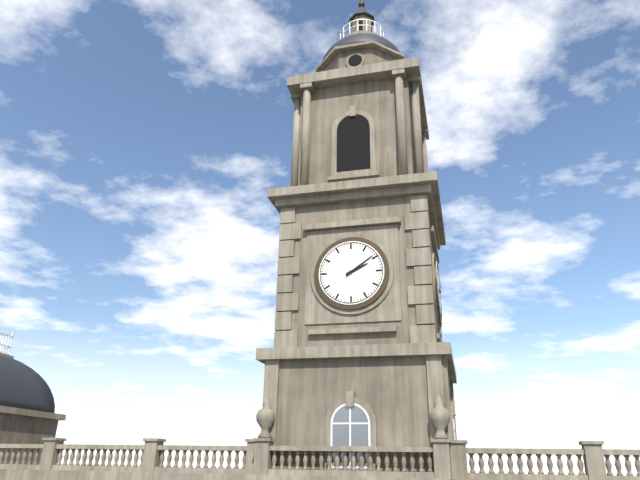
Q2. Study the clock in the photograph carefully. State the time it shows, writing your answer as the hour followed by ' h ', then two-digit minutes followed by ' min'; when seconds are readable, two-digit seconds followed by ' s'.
2 h 09 min
